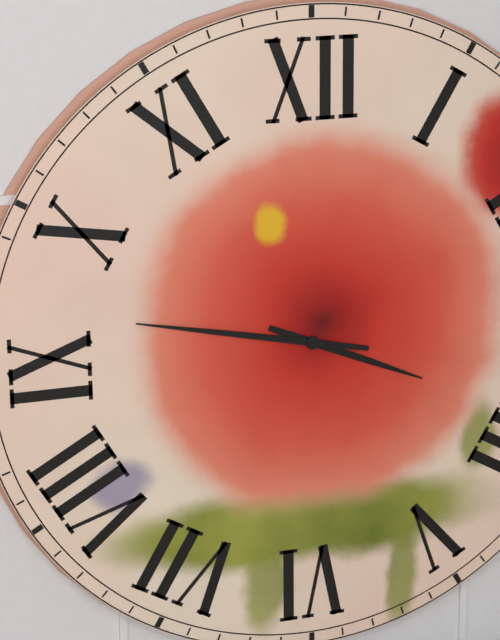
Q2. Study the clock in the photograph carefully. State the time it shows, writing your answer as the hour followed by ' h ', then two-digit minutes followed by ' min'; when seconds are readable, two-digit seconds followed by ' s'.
3 h 47 min
